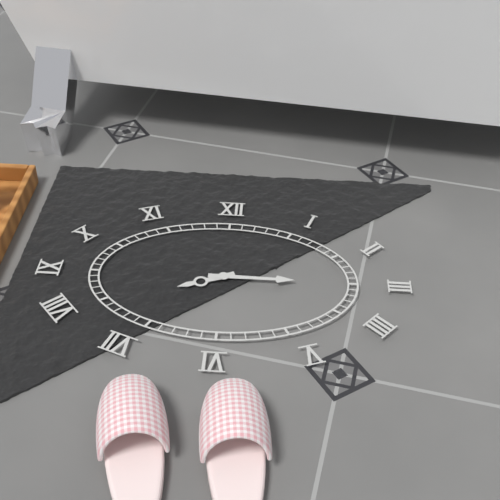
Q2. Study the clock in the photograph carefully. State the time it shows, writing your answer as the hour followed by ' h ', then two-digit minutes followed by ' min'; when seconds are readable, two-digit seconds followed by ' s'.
8 h 15 min
